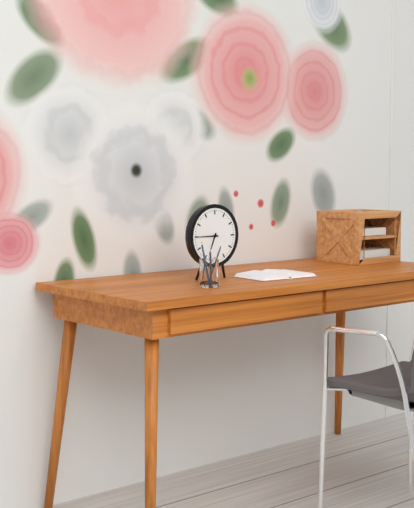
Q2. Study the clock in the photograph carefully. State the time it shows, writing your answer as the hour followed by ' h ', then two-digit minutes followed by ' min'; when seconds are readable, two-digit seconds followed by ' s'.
6 h 45 min
